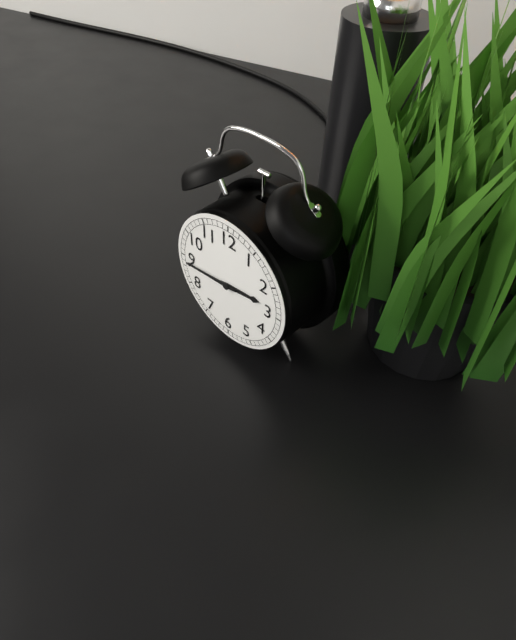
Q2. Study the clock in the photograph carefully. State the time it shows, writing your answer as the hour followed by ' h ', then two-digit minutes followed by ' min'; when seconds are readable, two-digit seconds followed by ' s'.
2 h 44 min
